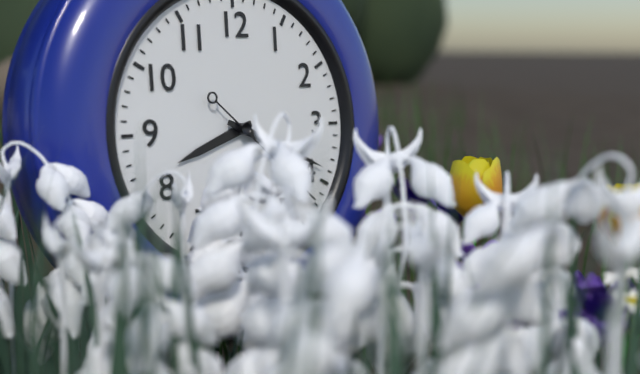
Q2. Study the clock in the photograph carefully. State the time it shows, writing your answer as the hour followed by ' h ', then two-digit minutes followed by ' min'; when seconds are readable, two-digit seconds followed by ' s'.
8 h 19 min
